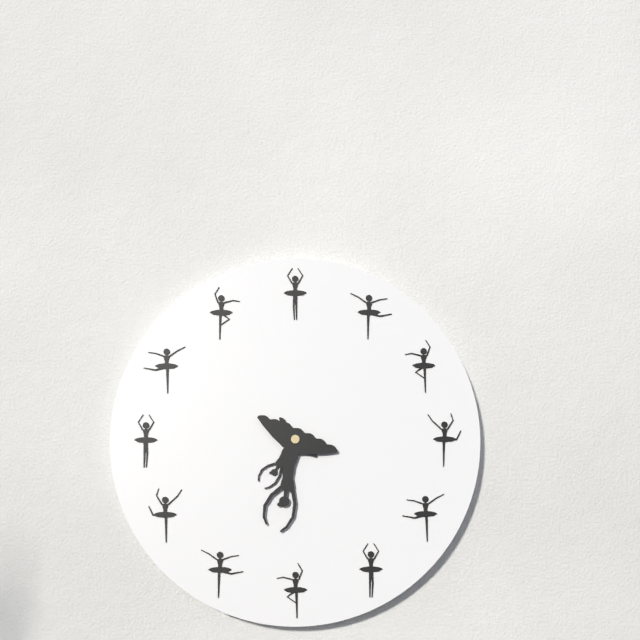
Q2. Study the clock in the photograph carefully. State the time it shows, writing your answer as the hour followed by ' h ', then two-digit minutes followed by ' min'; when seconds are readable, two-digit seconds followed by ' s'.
7 h 34 min
